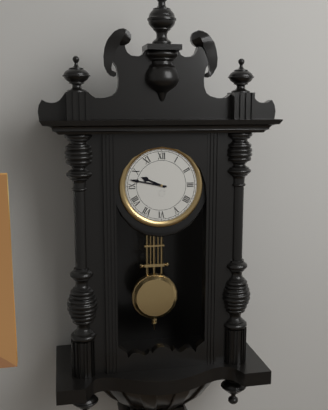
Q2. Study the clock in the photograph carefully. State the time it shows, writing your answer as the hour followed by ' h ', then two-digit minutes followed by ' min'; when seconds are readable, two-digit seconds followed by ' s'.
9 h 47 min
